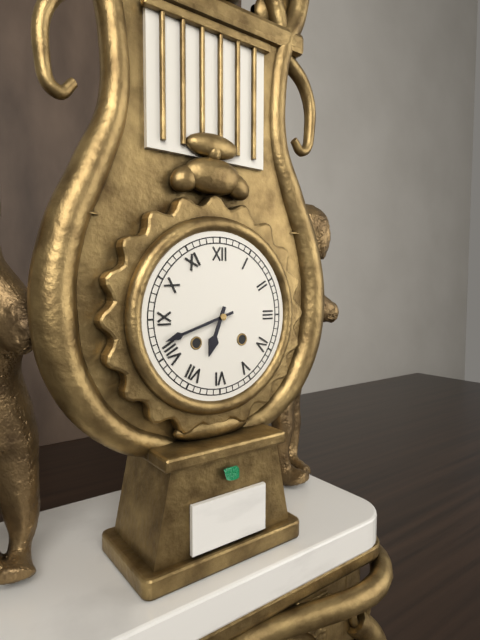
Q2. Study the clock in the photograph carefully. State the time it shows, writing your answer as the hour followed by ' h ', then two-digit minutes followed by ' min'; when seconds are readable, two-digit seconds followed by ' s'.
6 h 42 min
